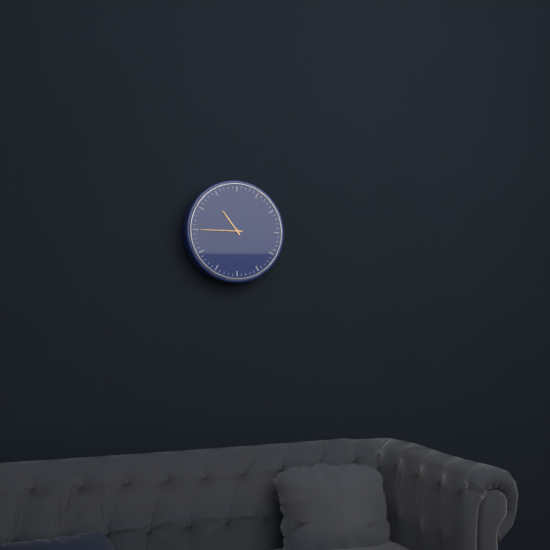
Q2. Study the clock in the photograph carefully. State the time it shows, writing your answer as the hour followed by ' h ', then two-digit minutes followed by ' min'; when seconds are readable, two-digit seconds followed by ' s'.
10 h 45 min
